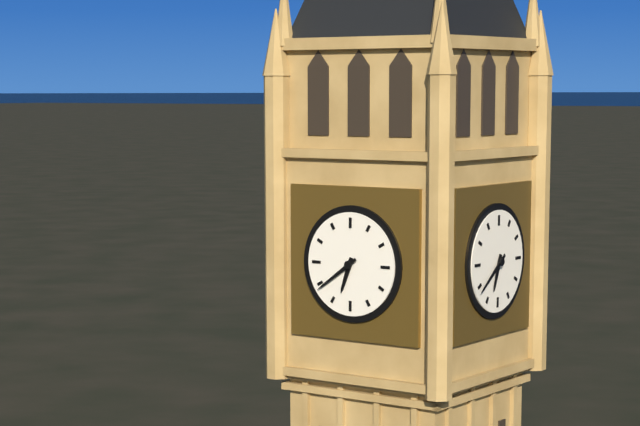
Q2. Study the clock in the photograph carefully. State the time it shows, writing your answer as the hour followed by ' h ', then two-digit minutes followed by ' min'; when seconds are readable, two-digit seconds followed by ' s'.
6 h 39 min
